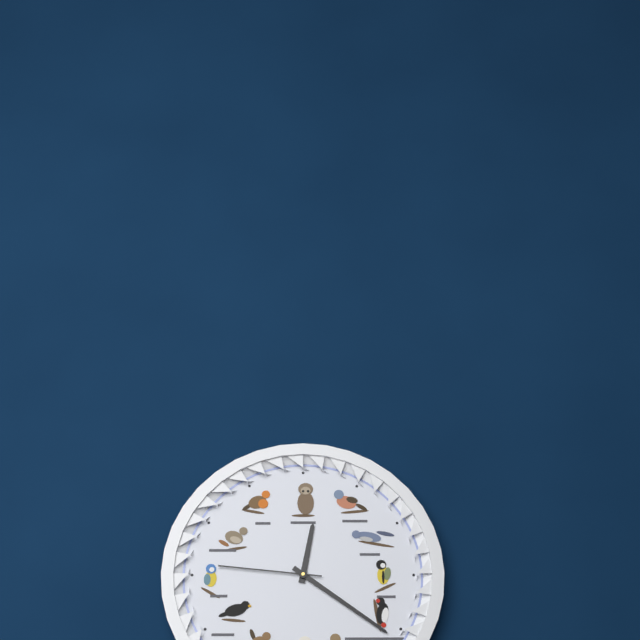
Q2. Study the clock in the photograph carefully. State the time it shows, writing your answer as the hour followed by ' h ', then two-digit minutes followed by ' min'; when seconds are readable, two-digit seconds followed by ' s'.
12 h 21 min 46 s
